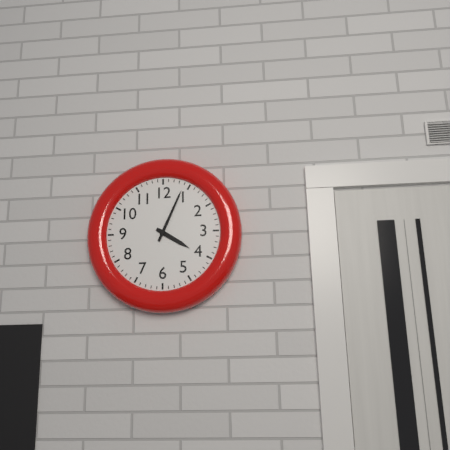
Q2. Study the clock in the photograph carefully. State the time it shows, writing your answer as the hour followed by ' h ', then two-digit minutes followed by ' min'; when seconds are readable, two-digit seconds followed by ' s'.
4 h 04 min
